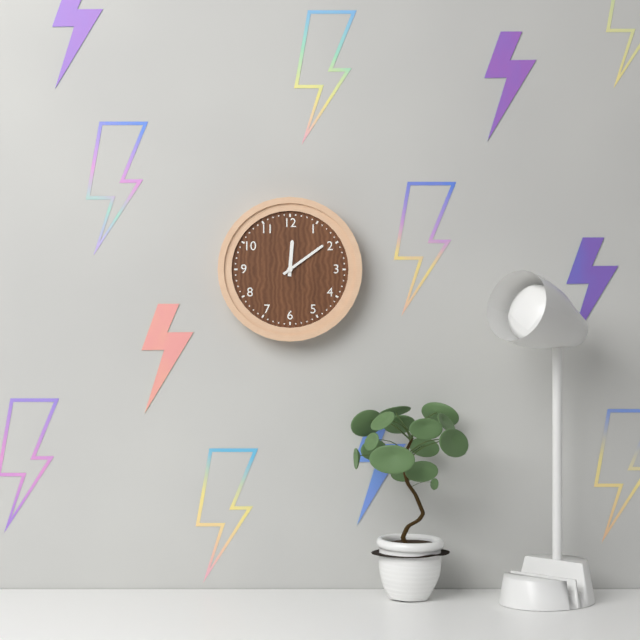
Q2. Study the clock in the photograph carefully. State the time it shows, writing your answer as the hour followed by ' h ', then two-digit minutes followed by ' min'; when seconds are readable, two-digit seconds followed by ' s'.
12 h 09 min
